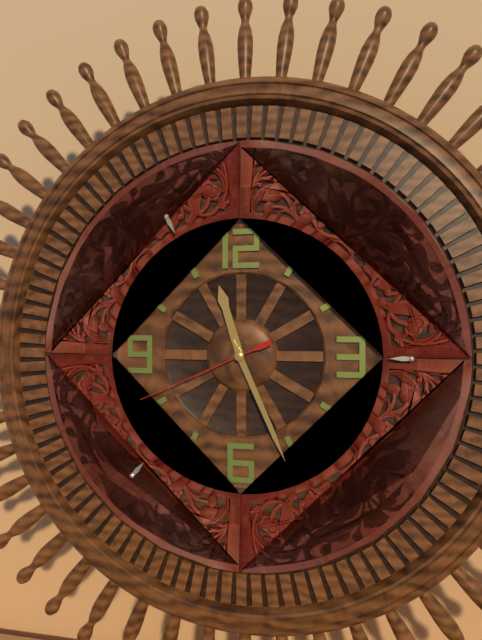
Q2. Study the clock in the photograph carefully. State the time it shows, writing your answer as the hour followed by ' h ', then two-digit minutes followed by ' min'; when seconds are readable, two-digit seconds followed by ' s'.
11 h 26 min 41 s
